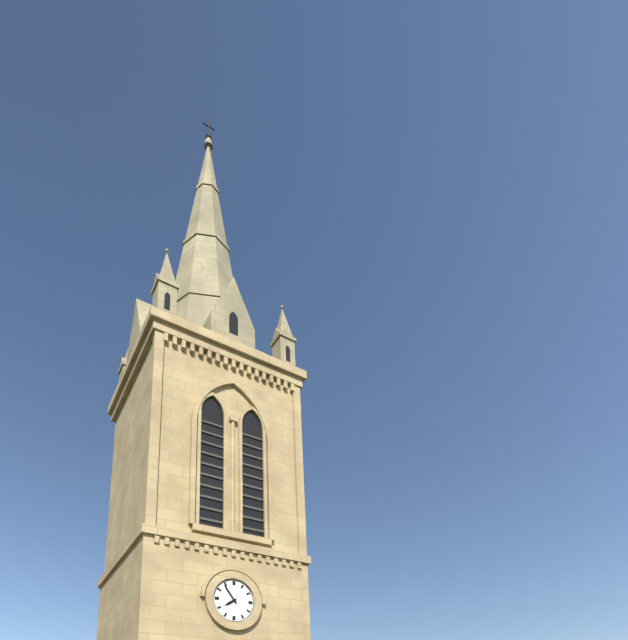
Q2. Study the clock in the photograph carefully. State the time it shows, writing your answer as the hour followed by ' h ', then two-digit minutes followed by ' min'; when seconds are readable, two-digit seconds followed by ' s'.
7 h 54 min
